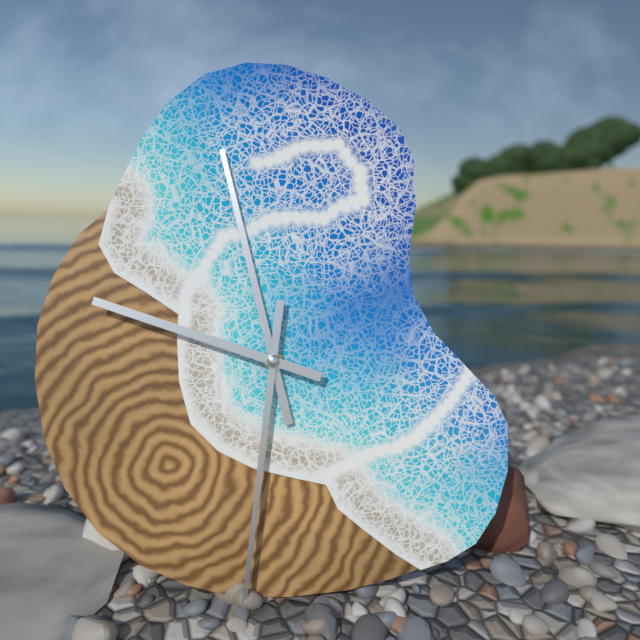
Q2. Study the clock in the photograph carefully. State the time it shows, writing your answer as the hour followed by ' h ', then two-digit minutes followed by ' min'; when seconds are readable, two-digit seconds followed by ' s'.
11 h 31 min 48 s
